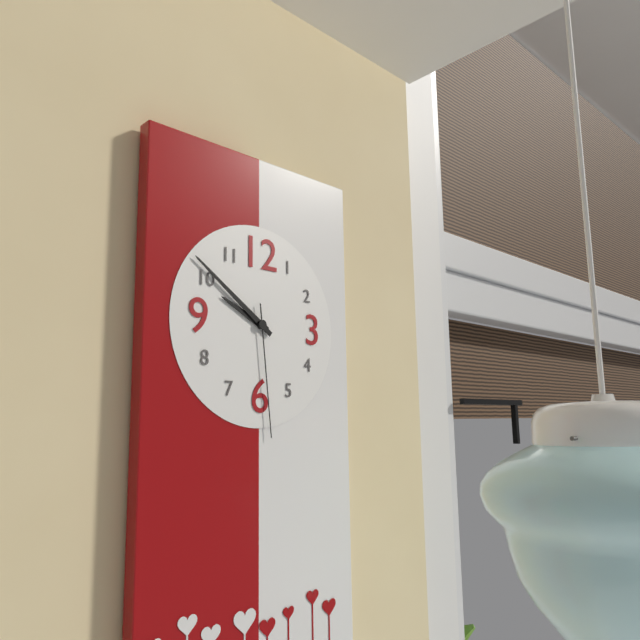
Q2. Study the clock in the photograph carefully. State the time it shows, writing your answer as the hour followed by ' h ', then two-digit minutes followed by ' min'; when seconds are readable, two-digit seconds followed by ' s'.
9 h 51 min 29 s
